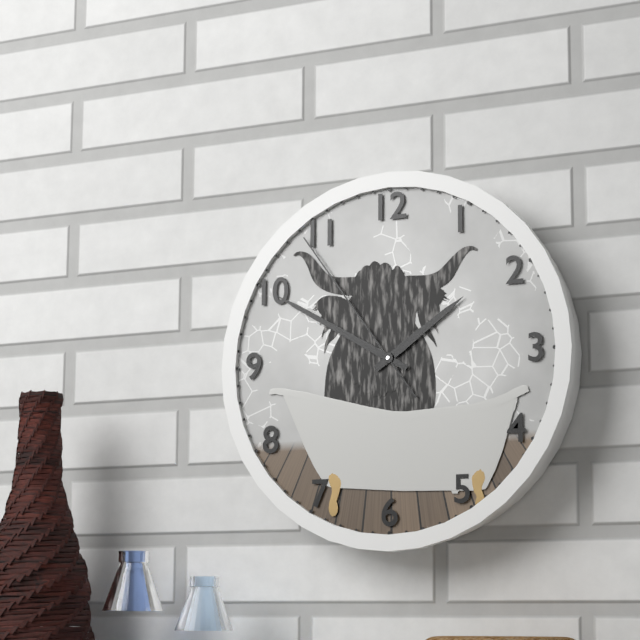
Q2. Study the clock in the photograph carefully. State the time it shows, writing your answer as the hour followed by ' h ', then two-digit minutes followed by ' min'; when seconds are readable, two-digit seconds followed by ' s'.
1 h 50 min 54 s
